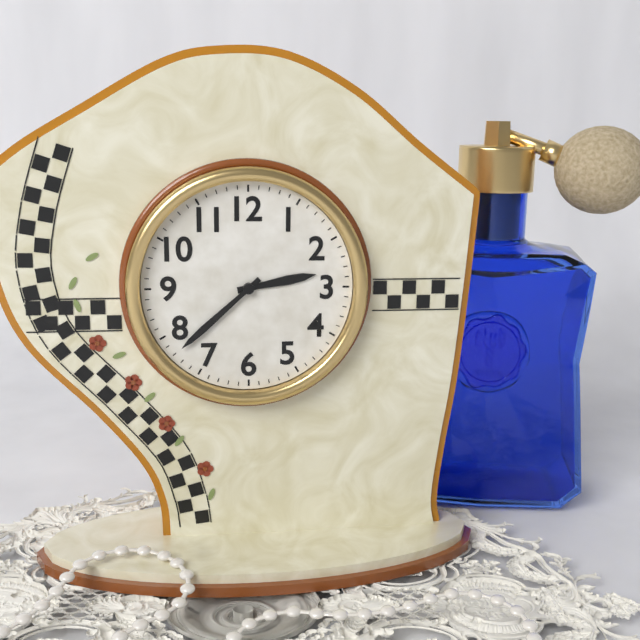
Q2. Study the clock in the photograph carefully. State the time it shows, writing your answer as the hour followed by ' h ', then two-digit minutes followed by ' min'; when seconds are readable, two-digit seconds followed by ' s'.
2 h 38 min
